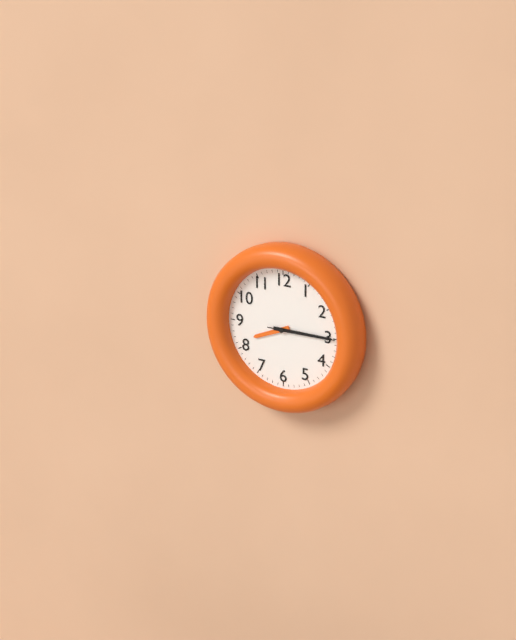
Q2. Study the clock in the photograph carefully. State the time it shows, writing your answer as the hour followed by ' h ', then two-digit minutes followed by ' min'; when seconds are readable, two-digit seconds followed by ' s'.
8 h 15 min 15 s
